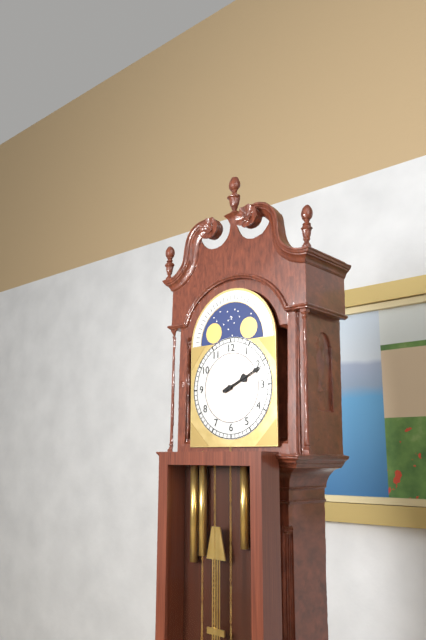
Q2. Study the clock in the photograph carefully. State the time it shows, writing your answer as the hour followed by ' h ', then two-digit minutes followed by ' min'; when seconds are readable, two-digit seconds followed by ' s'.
2 h 11 min
